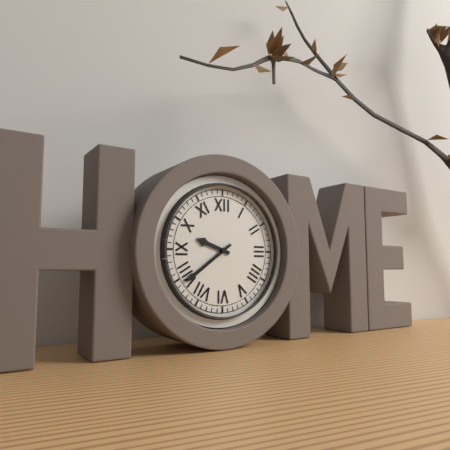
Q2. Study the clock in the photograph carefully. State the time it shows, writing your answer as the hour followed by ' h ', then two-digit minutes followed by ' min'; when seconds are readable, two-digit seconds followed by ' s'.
9 h 39 min
